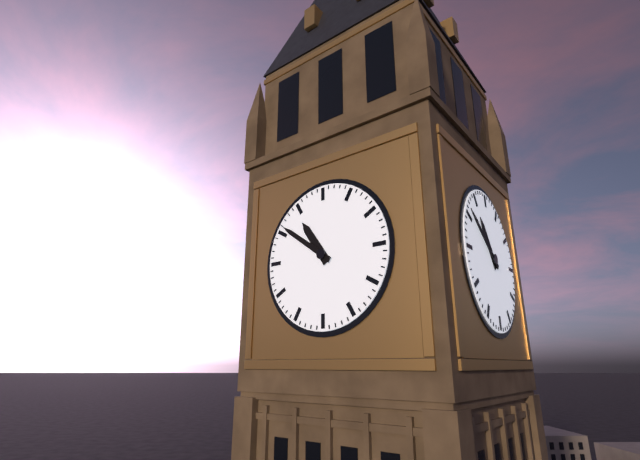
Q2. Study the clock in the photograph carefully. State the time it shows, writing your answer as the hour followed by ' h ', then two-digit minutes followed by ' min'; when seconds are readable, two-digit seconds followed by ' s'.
10 h 51 min
